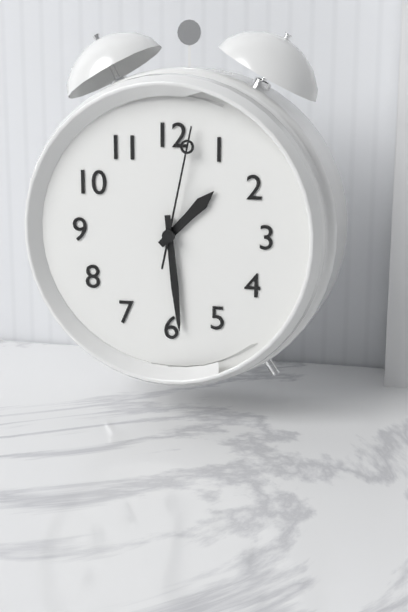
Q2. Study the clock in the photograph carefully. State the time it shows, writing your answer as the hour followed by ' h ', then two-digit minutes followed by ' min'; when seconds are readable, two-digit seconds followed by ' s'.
1 h 29 min 02 s
